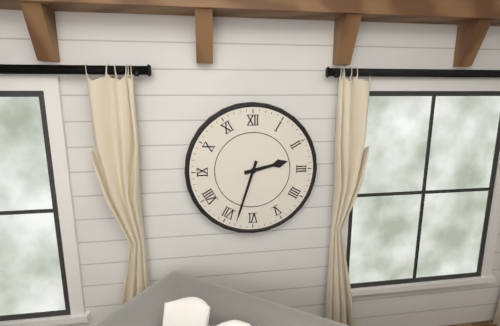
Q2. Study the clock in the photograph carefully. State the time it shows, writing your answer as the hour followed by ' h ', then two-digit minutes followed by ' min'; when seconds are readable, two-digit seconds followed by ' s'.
2 h 33 min
